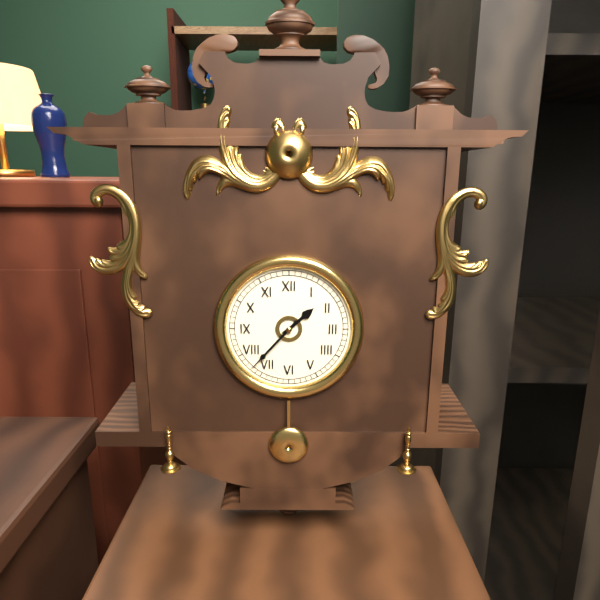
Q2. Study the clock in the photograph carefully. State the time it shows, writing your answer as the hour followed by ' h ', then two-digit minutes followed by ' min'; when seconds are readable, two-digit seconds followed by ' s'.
1 h 37 min
